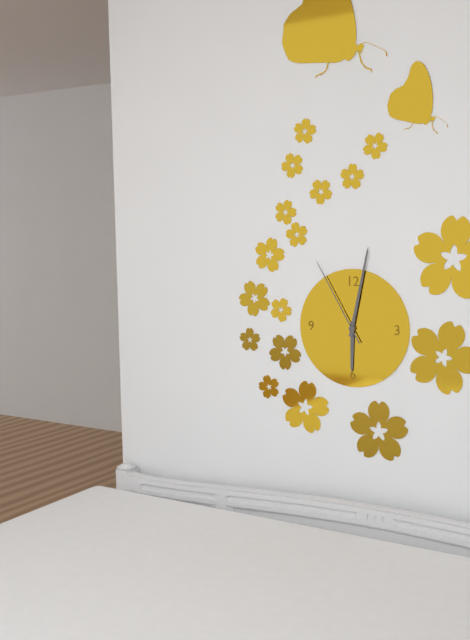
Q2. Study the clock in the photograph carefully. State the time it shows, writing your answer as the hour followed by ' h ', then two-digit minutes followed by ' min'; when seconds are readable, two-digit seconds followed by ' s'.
6 h 02 min 55 s
